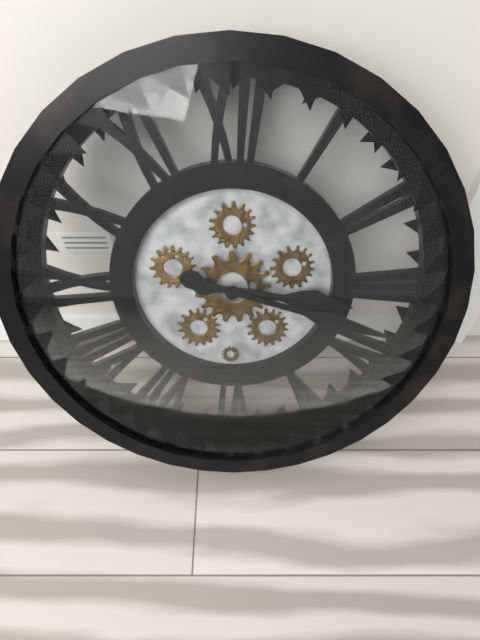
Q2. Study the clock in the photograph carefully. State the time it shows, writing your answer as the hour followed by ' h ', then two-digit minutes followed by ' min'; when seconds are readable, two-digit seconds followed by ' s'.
3 h 18 min
